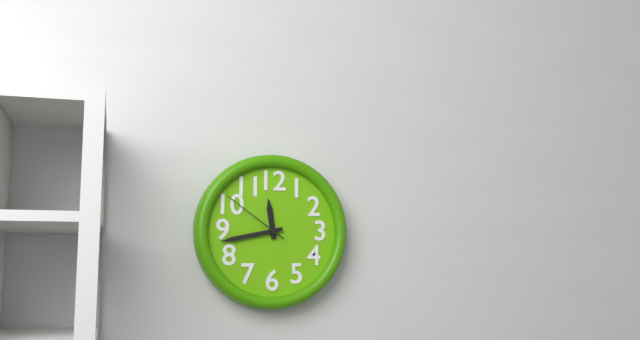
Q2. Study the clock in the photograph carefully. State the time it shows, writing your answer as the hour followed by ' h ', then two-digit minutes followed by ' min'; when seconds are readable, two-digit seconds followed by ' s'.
11 h 43 min 51 s
